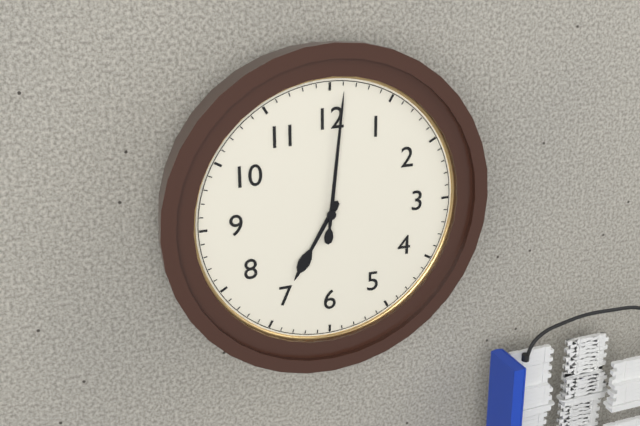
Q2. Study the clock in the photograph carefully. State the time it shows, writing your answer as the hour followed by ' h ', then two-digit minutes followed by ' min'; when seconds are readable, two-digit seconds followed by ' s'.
7 h 01 min
